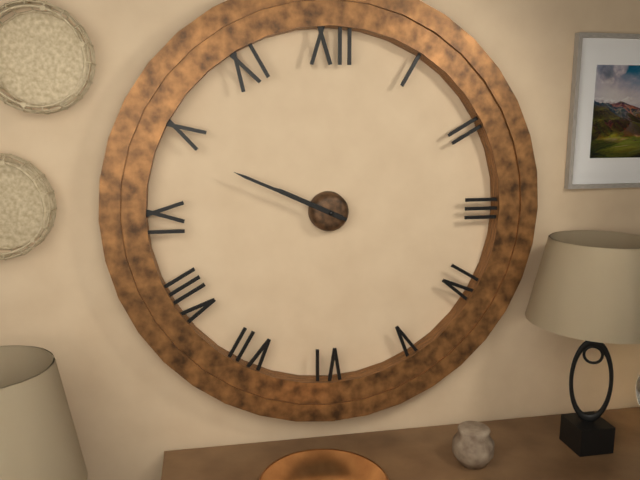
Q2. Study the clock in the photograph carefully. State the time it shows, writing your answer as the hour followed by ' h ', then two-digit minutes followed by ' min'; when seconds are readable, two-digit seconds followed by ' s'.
9 h 49 min
